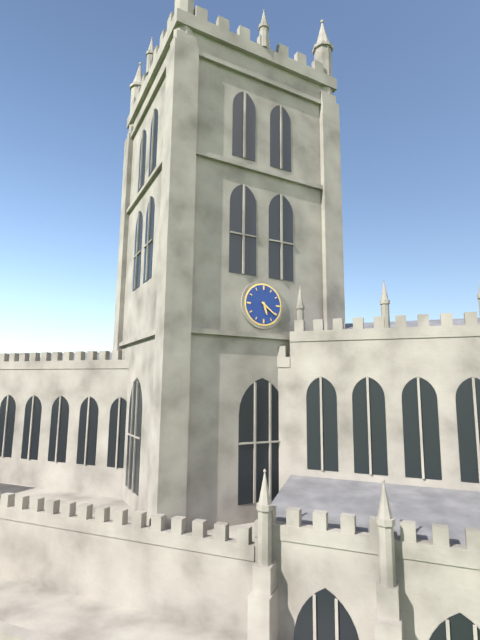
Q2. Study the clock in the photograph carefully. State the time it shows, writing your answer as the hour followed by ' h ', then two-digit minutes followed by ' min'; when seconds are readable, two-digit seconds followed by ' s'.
5 h 21 min
